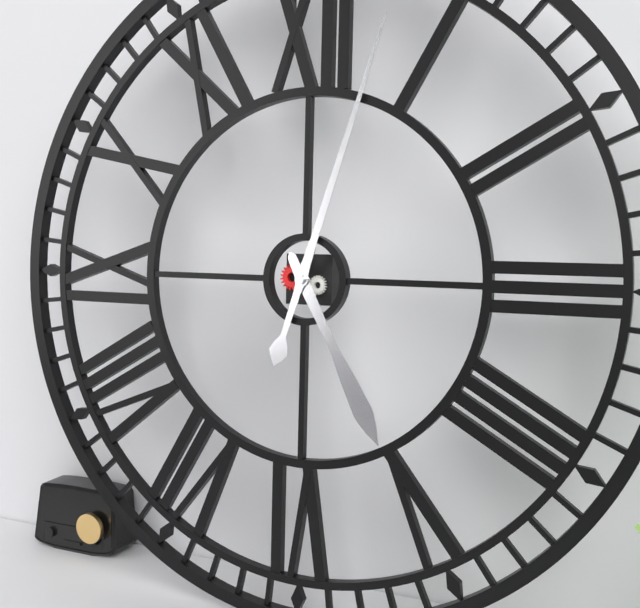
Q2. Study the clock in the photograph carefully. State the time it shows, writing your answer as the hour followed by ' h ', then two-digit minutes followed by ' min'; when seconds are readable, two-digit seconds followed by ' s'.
5 h 03 min
